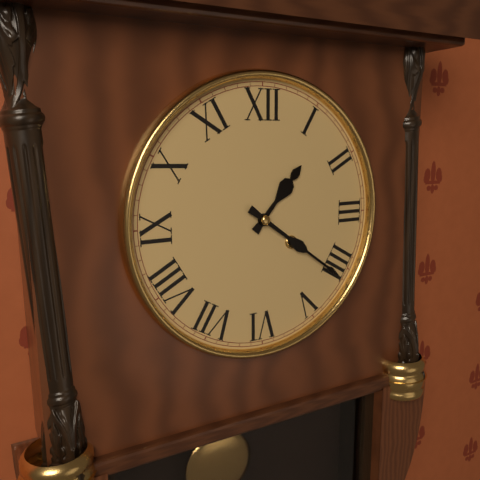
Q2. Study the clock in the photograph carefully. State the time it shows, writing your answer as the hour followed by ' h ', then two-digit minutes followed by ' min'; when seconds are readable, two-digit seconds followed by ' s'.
1 h 21 min
